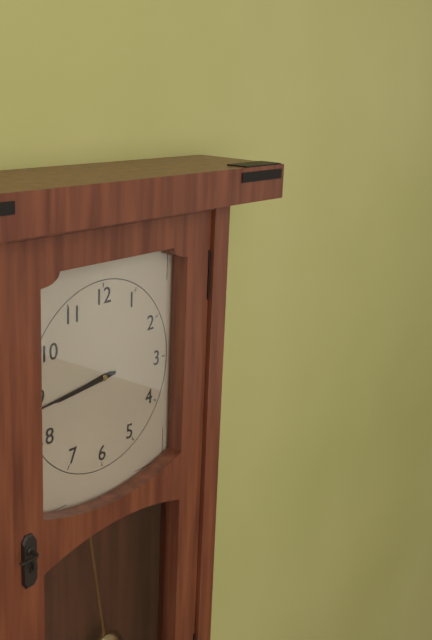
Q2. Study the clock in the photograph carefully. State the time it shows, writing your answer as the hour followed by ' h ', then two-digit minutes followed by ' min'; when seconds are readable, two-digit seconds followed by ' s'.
8 h 44 min
